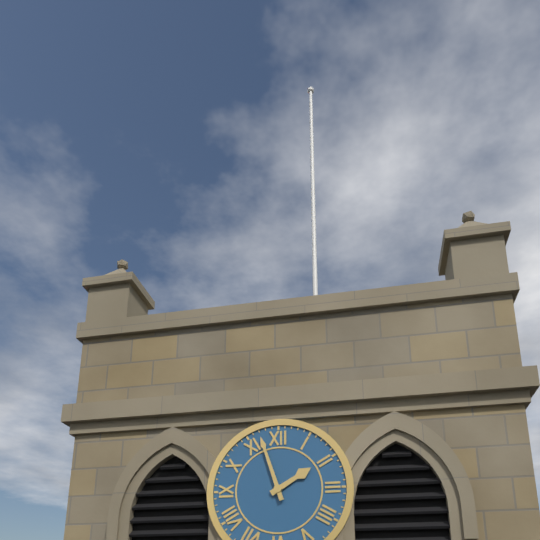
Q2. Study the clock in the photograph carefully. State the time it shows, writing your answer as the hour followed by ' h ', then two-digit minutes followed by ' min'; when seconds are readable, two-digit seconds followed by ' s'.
1 h 57 min
